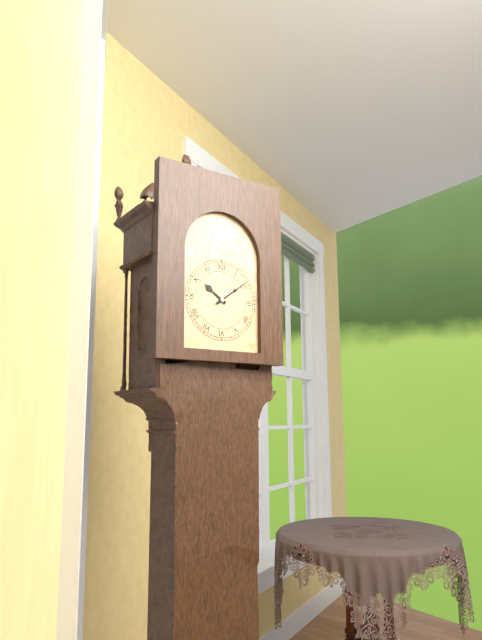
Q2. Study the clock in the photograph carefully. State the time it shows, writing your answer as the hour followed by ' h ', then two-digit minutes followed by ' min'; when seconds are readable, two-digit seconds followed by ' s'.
10 h 09 min
